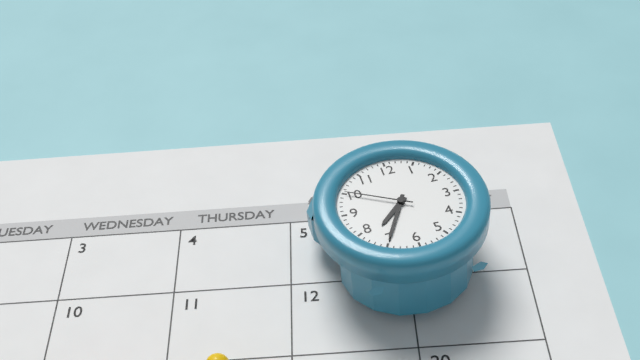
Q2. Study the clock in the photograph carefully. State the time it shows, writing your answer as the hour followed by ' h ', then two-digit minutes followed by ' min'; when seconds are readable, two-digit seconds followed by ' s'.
7 h 35 min 50 s
